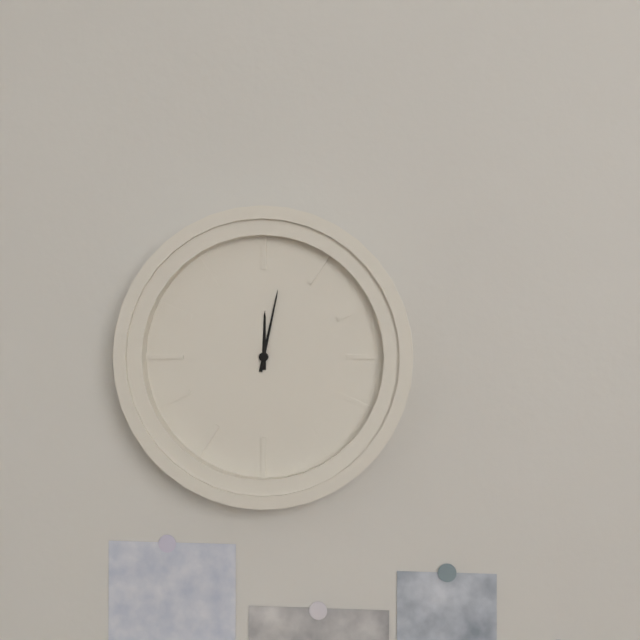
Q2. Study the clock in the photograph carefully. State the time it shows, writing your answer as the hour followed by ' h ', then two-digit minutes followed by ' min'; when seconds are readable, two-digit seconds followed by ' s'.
12 h 02 min
